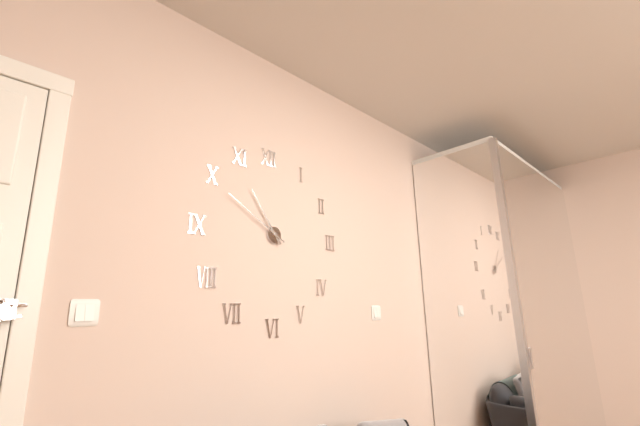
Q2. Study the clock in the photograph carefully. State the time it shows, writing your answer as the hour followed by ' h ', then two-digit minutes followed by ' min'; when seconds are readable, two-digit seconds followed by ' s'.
10 h 50 min
